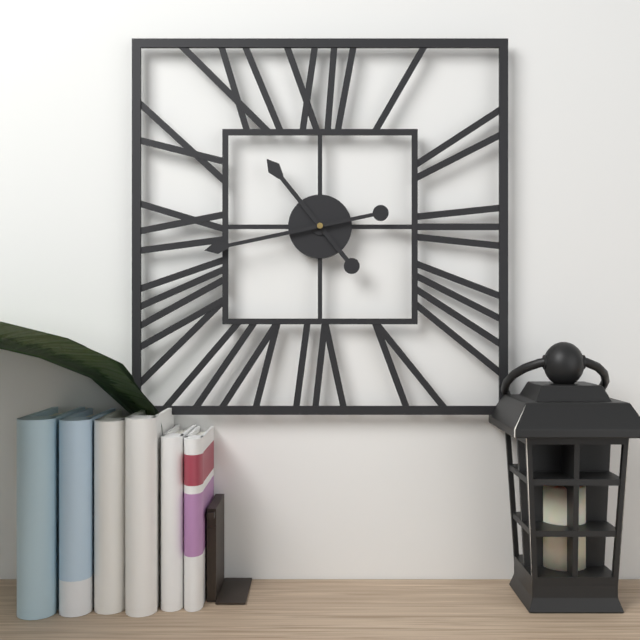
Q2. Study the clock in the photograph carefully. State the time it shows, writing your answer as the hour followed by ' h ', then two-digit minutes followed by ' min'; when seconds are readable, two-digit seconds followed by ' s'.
10 h 43 min
